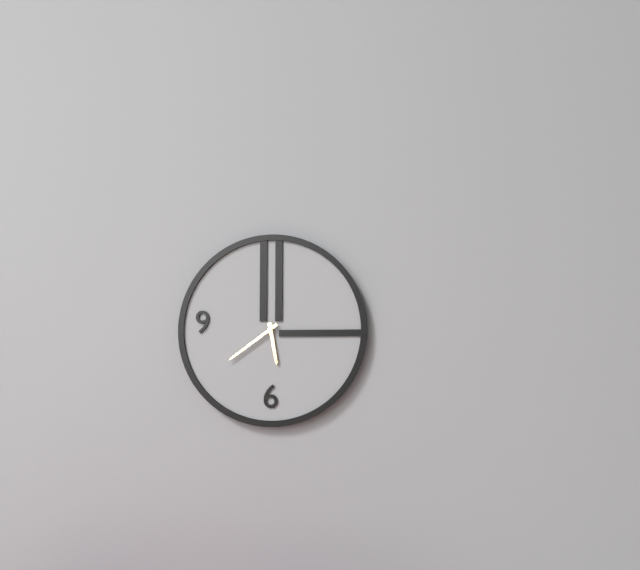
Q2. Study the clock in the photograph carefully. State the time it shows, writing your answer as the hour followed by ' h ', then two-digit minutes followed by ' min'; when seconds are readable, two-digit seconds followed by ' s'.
5 h 39 min
